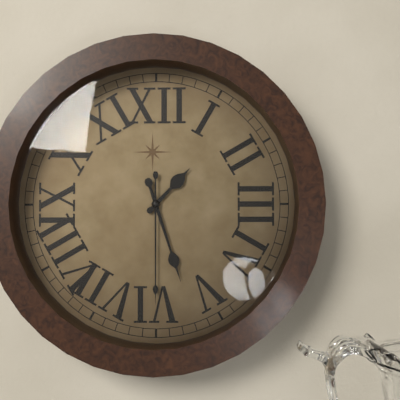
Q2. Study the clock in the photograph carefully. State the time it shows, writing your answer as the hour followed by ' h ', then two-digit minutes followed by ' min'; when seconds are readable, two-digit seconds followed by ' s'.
1 h 27 min 30 s
